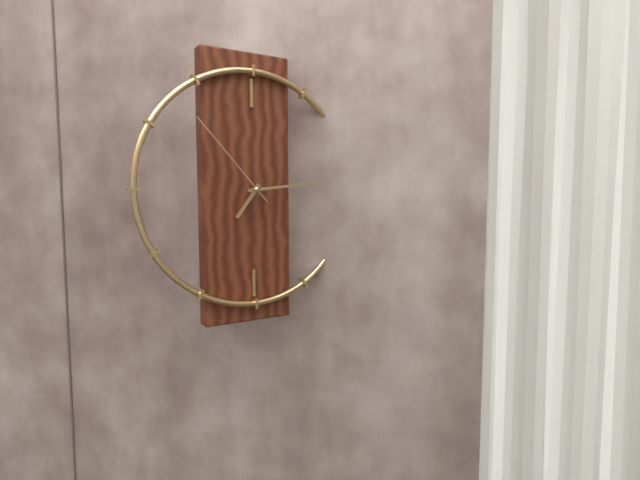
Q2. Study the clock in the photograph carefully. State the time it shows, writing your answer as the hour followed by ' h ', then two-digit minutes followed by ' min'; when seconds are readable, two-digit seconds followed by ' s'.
7 h 14 min 53 s
